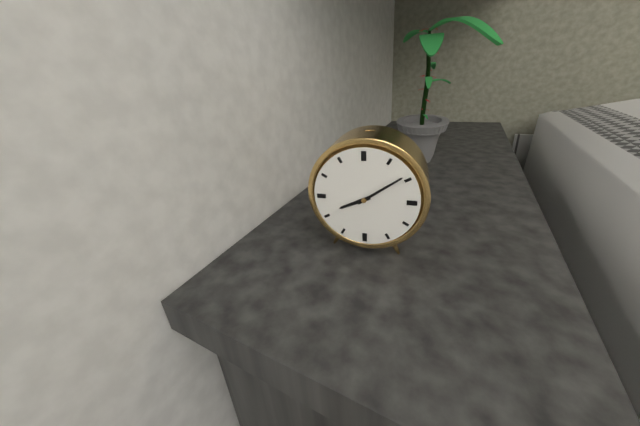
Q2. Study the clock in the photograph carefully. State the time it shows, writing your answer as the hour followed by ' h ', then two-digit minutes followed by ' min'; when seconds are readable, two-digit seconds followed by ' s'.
8 h 09 min
